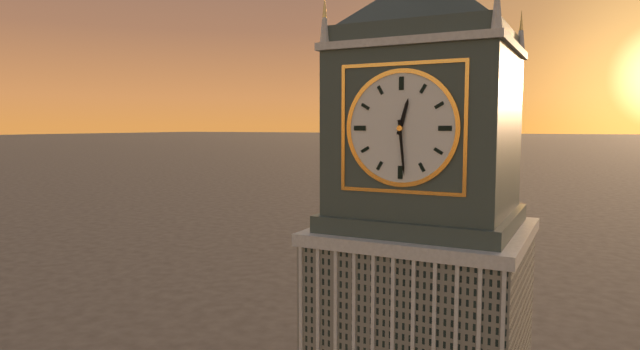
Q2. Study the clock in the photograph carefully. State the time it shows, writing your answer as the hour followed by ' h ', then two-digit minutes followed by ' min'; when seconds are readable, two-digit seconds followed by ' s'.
12 h 29 min
